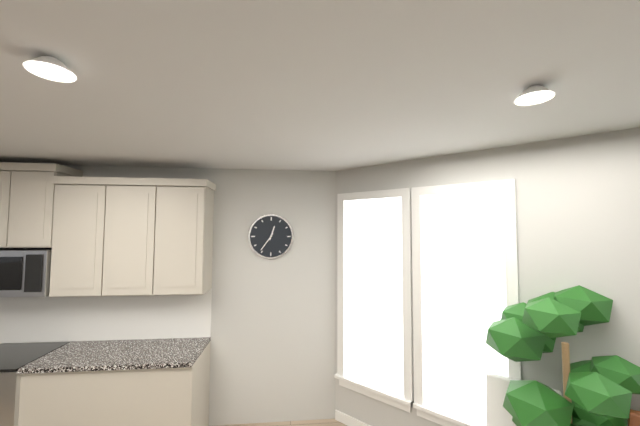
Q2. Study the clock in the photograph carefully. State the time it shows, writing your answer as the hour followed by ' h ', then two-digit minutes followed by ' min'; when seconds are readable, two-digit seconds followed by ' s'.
12 h 36 min
